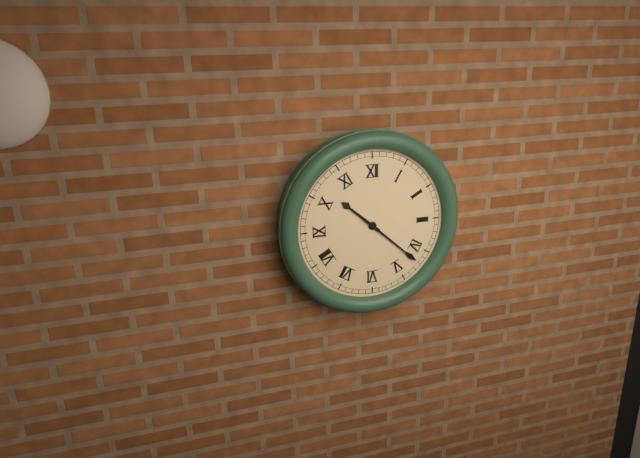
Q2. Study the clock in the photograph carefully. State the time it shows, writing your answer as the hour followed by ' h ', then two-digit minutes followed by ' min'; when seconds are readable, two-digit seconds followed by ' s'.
10 h 22 min
